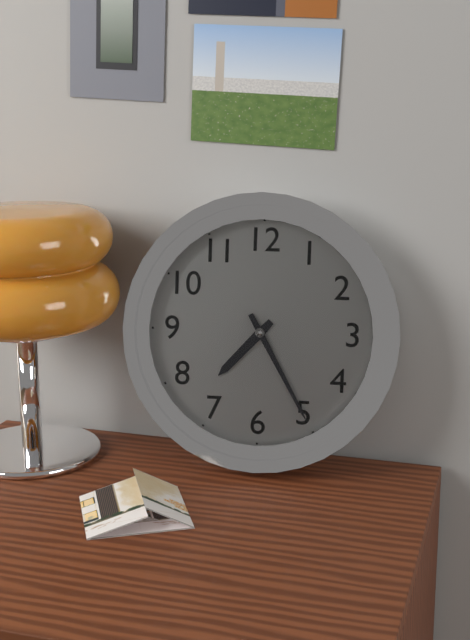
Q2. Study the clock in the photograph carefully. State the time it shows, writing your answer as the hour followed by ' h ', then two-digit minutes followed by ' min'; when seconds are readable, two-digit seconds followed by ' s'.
7 h 25 min
